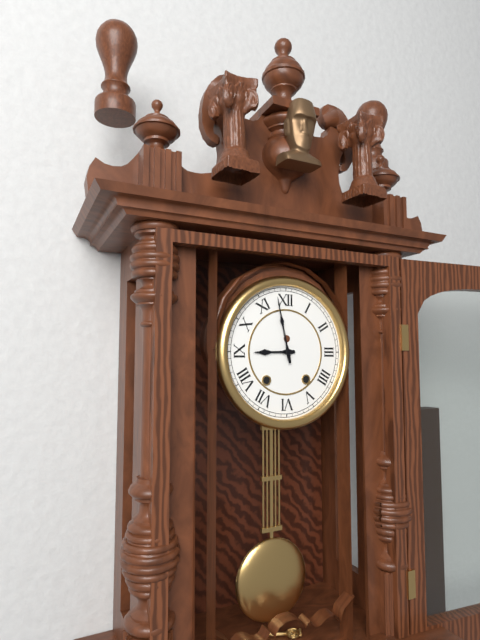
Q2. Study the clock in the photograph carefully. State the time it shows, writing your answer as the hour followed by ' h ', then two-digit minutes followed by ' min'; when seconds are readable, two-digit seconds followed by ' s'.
8 h 58 min
